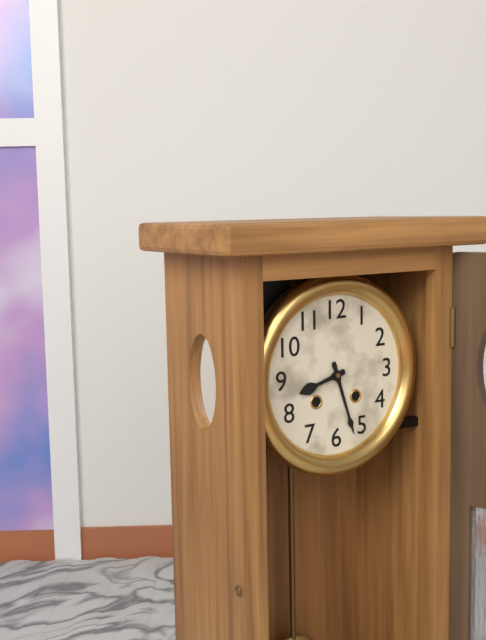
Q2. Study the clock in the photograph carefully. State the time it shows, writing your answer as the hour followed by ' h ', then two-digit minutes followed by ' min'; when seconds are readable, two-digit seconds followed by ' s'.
8 h 27 min
